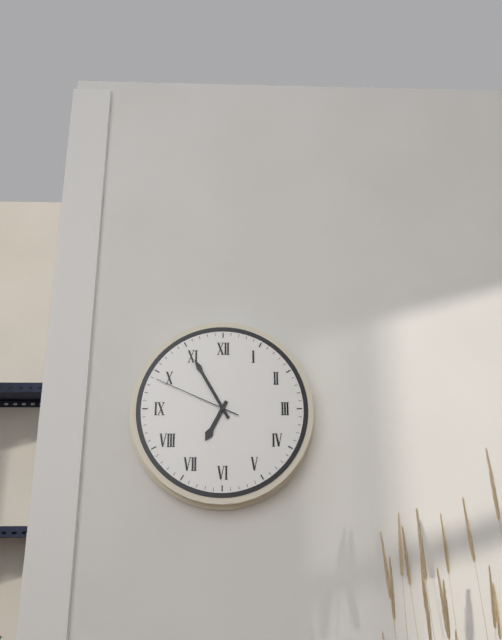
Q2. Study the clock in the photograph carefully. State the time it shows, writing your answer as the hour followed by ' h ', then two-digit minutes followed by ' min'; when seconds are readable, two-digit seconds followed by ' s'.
6 h 55 min 49 s
